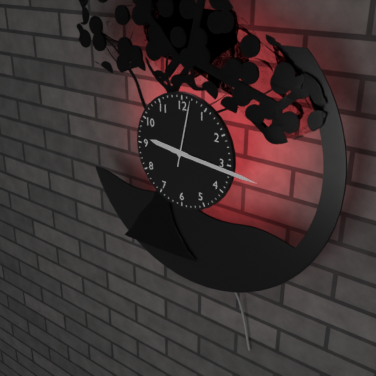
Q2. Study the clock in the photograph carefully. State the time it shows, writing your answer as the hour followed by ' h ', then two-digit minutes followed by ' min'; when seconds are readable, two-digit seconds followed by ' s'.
9 h 16 min 02 s
